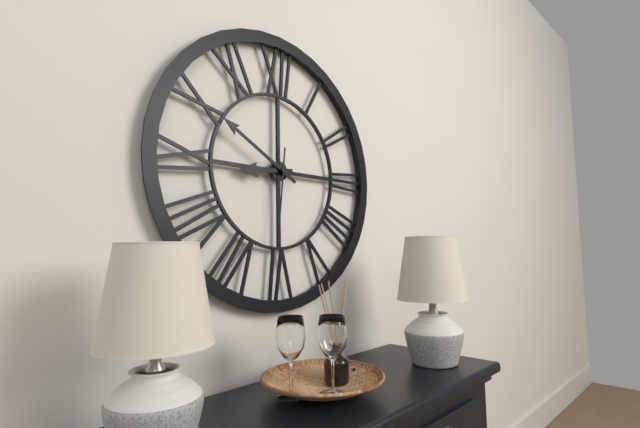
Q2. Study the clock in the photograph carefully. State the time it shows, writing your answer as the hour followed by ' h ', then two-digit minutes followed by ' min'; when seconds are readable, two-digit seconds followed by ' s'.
8 h 50 min 31 s
